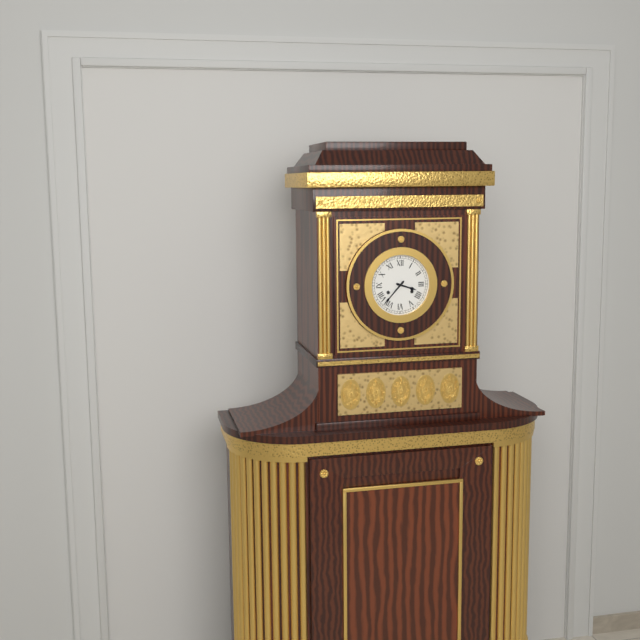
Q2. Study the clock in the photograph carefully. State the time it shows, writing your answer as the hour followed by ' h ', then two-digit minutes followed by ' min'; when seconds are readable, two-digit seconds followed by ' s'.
3 h 37 min
